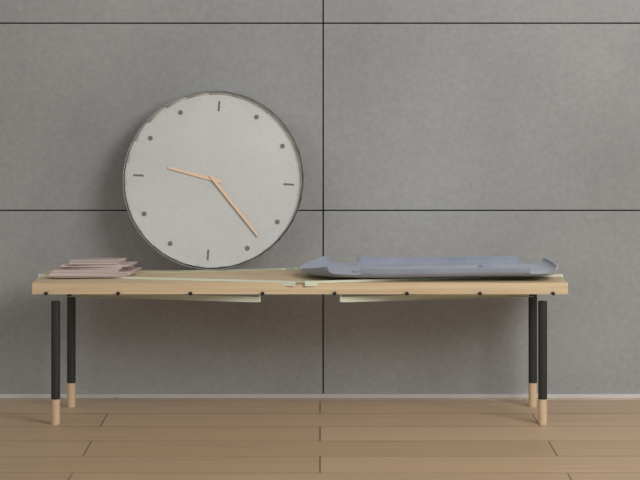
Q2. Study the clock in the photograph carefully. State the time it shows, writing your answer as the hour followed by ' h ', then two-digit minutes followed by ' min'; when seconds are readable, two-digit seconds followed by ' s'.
9 h 23 min
